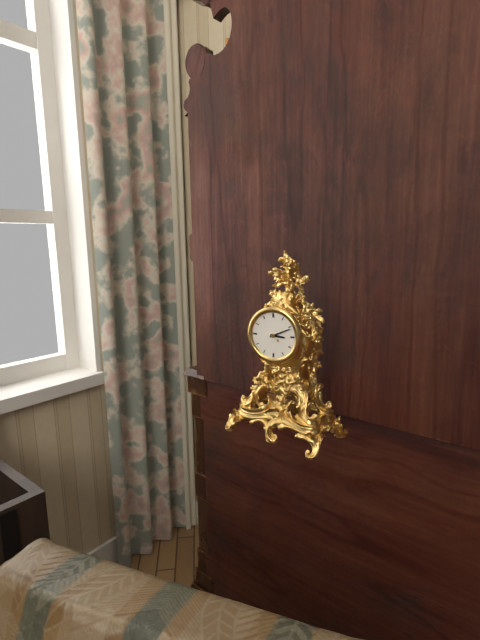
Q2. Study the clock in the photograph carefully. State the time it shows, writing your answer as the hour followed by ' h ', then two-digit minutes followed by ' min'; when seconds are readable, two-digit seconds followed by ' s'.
3 h 11 min
